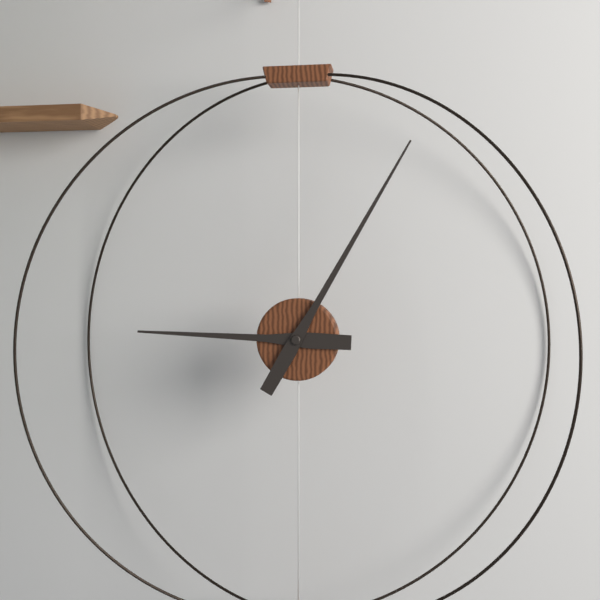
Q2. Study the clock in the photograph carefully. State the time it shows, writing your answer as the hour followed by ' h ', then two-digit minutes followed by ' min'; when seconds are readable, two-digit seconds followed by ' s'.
9 h 05 min
